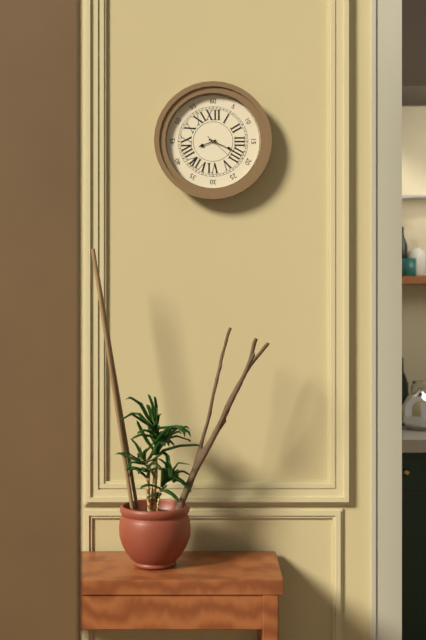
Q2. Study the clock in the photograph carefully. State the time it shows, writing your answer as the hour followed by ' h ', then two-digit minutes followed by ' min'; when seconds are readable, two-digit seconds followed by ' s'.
8 h 19 min
